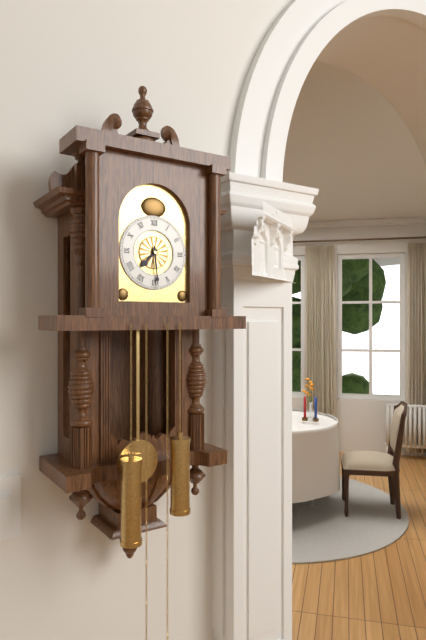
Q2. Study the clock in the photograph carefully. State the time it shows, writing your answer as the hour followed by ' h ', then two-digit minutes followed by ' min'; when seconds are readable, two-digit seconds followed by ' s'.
7 h 29 min
